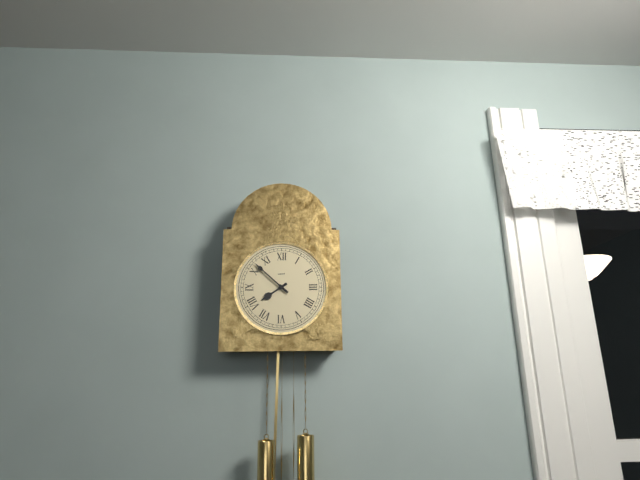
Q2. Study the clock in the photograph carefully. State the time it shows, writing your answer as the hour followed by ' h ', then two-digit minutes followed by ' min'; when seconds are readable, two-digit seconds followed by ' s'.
7 h 52 min
